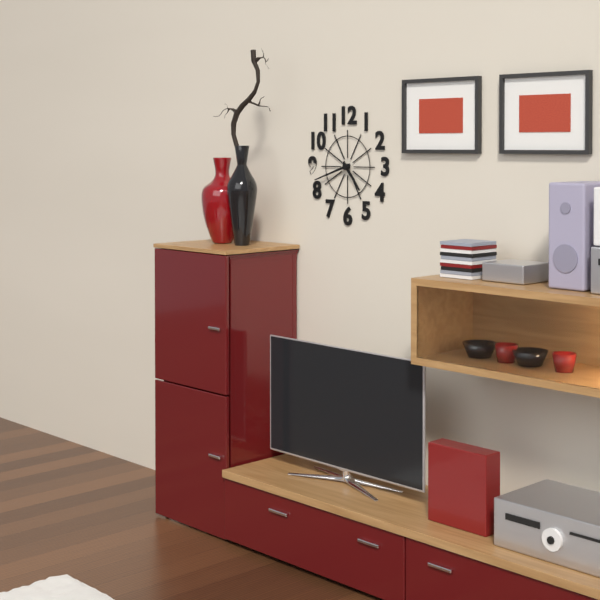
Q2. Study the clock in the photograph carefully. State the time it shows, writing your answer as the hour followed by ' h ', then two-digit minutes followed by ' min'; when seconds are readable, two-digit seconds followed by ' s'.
4 h 42 min
